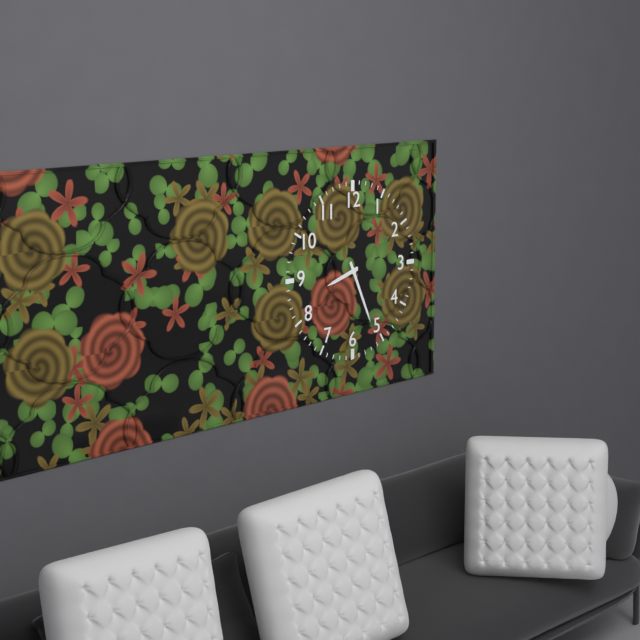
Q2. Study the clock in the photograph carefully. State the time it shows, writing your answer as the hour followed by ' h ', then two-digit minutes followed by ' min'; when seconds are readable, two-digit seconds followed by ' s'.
8 h 26 min
